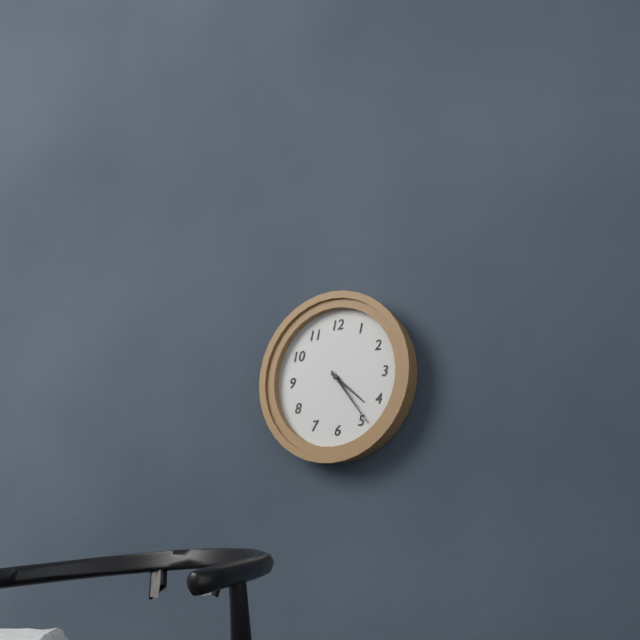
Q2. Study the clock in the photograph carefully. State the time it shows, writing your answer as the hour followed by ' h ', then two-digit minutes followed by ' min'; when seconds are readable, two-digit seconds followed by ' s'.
4 h 24 min
